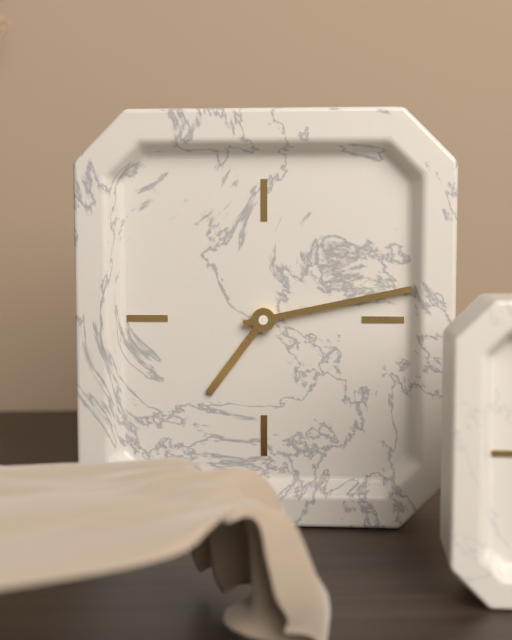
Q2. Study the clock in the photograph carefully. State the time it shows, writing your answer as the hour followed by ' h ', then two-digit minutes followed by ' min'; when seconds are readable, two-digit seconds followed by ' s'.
7 h 13 min
